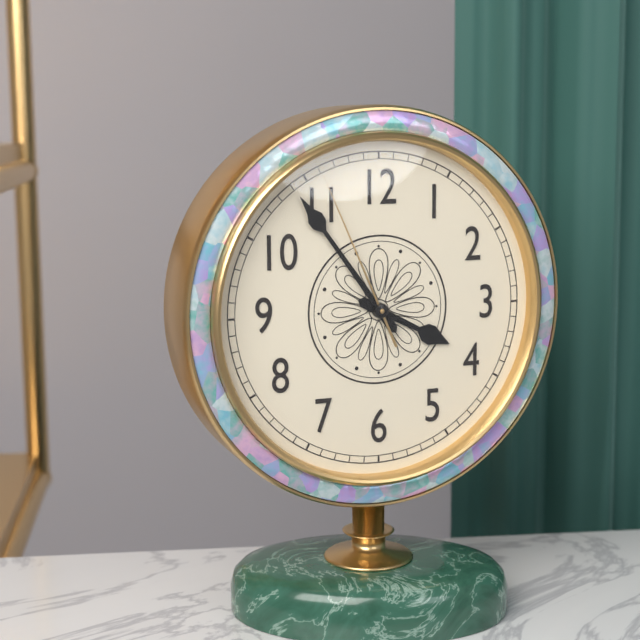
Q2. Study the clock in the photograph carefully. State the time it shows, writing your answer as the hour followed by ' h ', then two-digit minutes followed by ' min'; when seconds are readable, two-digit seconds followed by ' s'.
3 h 54 min 56 s
